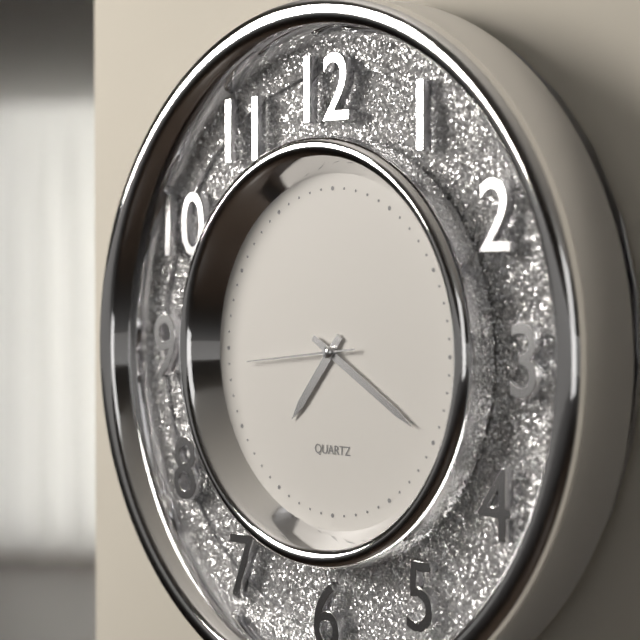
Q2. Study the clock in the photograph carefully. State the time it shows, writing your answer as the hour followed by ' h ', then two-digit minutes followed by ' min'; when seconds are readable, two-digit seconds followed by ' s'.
7 h 20 min 44 s
